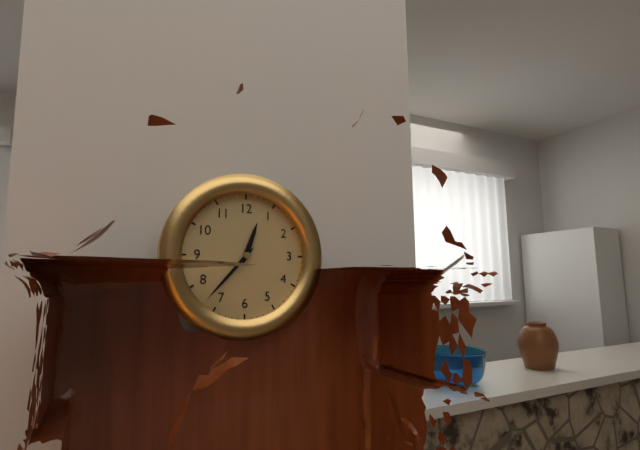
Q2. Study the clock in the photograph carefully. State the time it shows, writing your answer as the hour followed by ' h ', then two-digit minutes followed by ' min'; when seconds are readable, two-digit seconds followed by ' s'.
12 h 37 min
